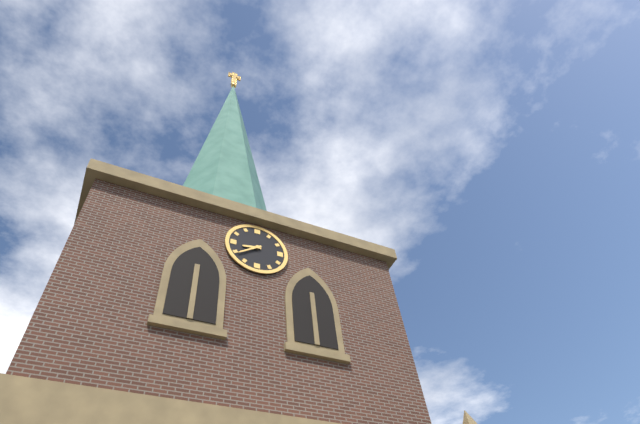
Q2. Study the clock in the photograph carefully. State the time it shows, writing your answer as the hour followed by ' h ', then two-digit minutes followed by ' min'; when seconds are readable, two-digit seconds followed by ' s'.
8 h 39 min
